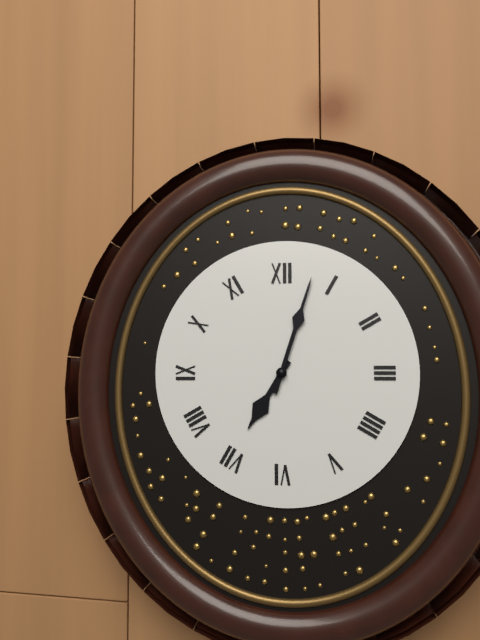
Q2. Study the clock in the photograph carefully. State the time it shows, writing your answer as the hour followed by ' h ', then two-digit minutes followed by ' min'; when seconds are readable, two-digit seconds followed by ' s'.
7 h 03 min
